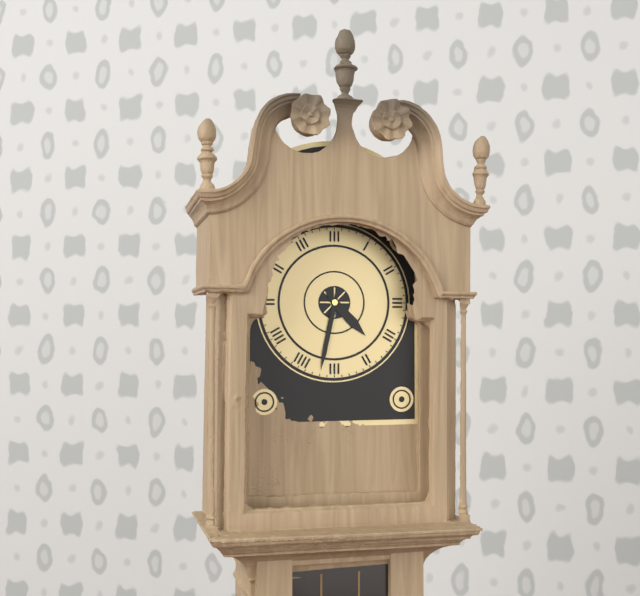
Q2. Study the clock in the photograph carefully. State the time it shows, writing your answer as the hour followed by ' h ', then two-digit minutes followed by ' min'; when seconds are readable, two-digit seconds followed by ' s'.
4 h 32 min
